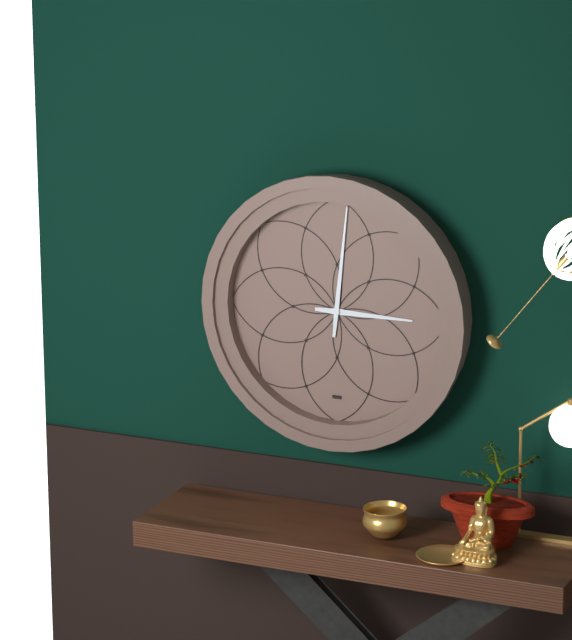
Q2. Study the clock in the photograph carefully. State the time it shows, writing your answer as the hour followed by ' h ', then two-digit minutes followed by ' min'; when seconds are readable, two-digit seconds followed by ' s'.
3 h 01 min
